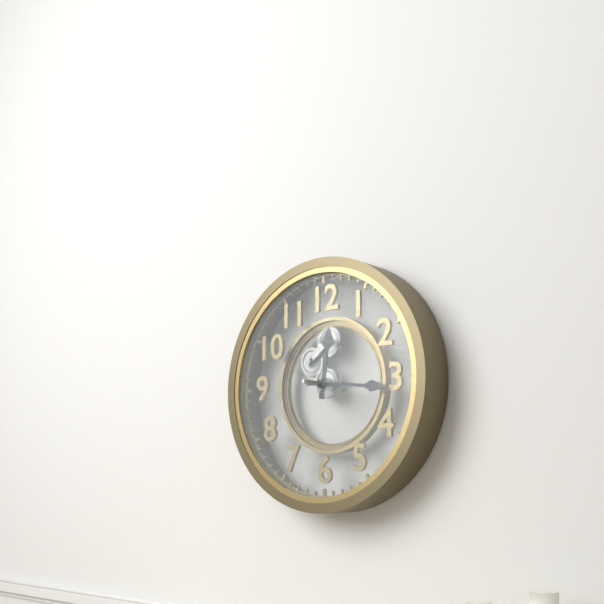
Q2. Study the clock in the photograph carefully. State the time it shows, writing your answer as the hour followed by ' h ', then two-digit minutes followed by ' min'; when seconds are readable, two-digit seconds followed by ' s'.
12 h 16 min
